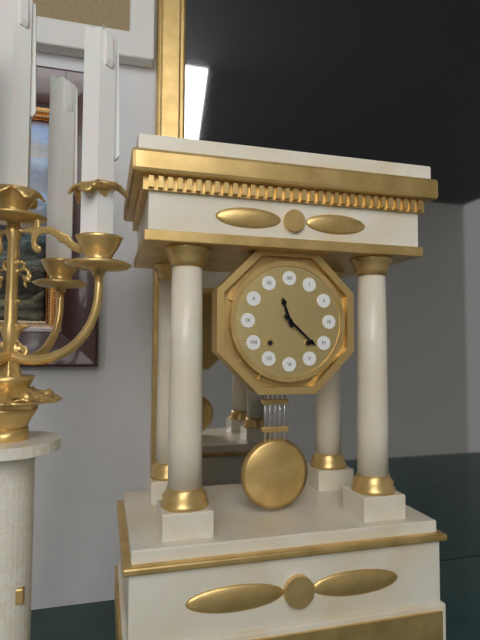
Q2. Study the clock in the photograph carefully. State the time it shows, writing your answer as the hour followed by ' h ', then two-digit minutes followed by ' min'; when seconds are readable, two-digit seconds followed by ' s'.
11 h 22 min
